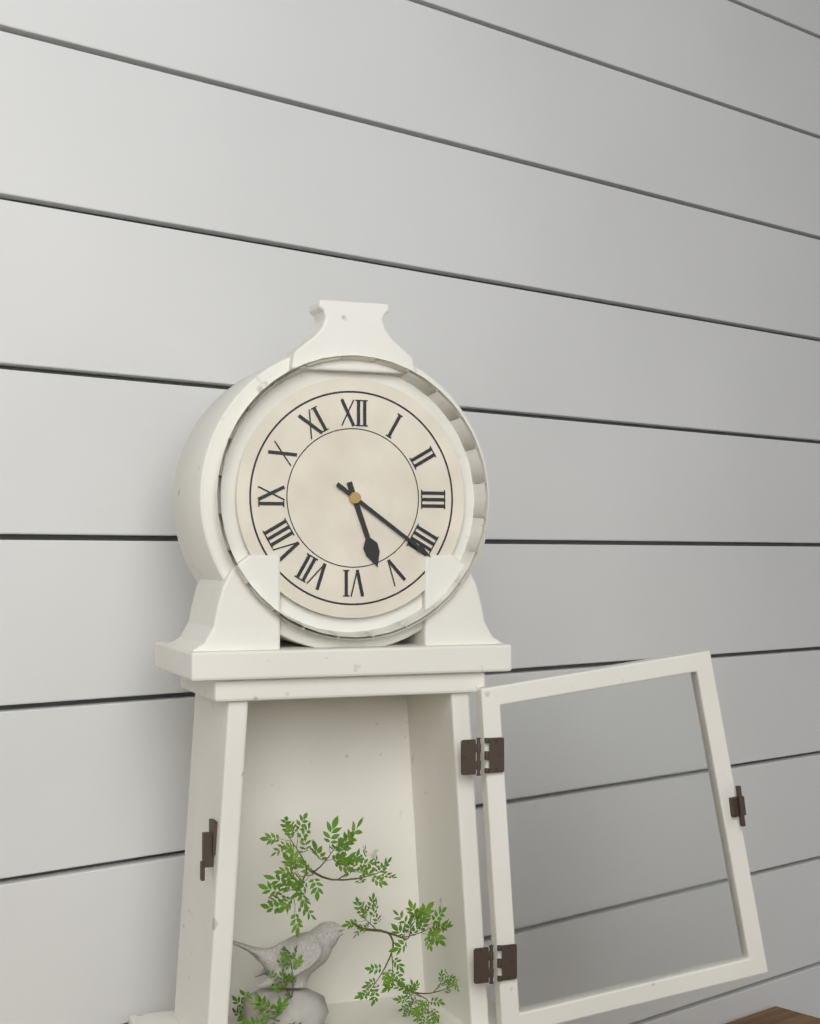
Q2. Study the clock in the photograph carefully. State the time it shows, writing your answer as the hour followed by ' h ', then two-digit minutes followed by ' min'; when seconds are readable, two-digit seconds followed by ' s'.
5 h 21 min
